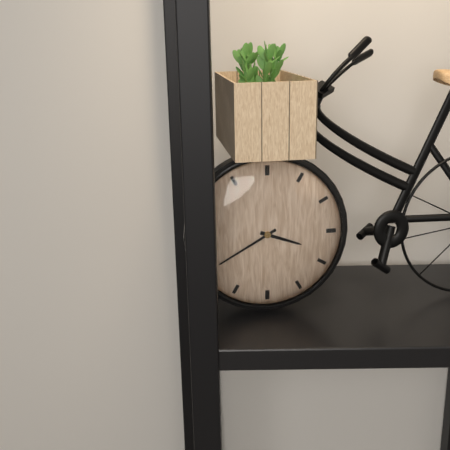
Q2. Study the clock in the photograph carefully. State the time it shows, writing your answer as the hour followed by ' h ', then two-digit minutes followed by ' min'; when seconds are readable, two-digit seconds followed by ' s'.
3 h 40 min
